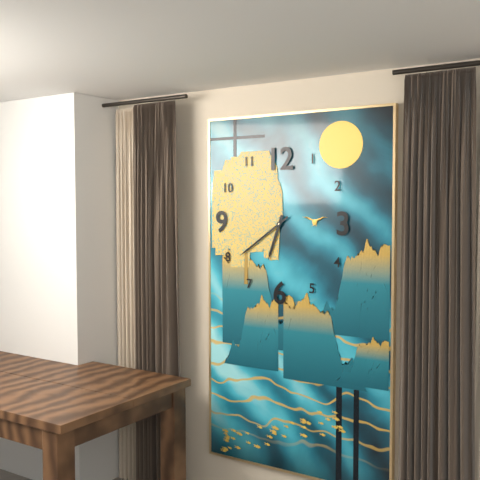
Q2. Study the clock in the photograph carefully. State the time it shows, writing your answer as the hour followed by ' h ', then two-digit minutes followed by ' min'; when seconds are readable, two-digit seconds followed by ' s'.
6 h 39 min
